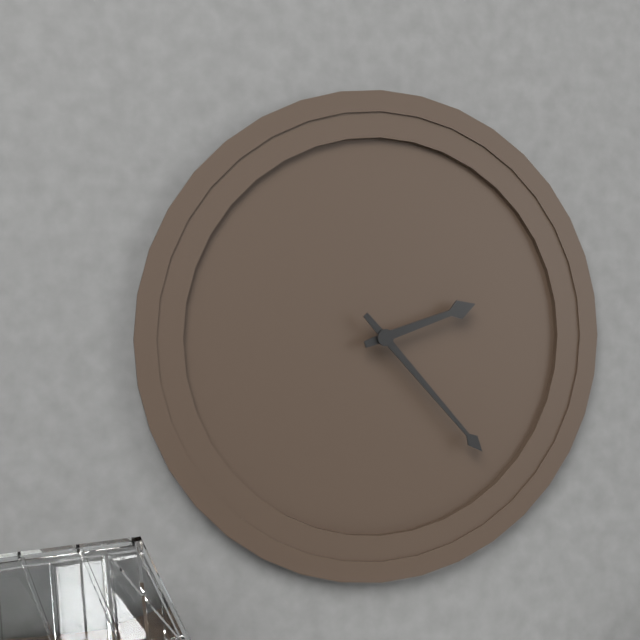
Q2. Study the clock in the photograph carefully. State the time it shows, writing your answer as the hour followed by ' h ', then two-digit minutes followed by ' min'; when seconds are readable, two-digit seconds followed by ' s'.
2 h 23 min
